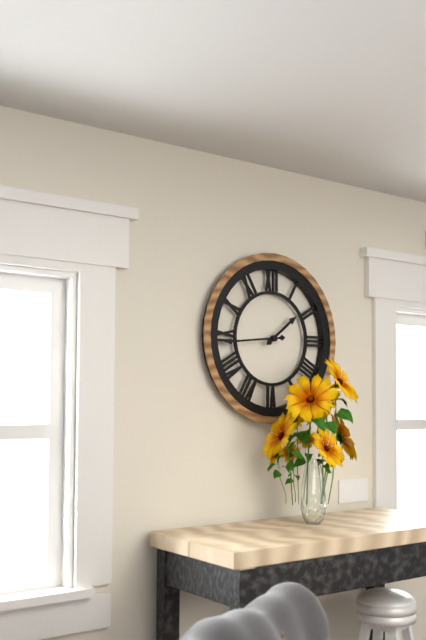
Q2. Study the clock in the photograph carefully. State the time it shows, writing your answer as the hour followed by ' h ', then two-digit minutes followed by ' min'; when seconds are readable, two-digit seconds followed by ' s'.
1 h 44 min
